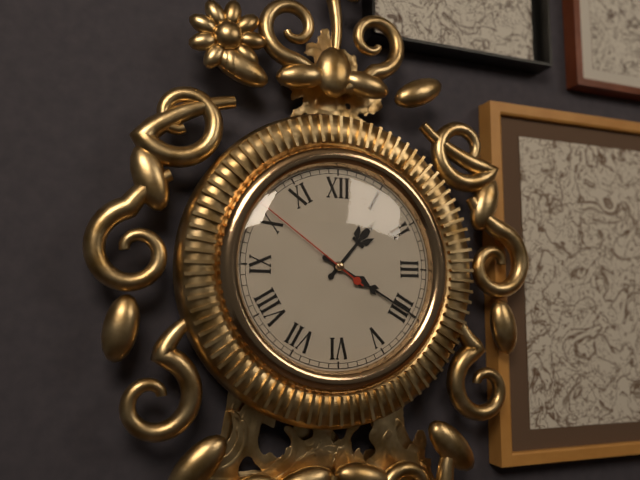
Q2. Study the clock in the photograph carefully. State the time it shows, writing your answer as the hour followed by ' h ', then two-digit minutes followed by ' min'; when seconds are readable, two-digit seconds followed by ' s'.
1 h 20 min 51 s
